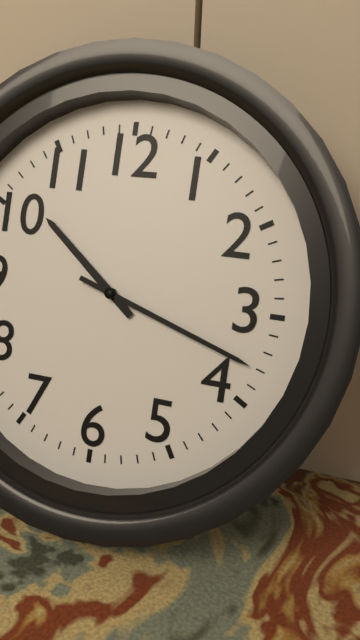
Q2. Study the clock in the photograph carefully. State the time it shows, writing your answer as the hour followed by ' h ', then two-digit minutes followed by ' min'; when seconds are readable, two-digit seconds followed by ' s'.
10 h 18 min
